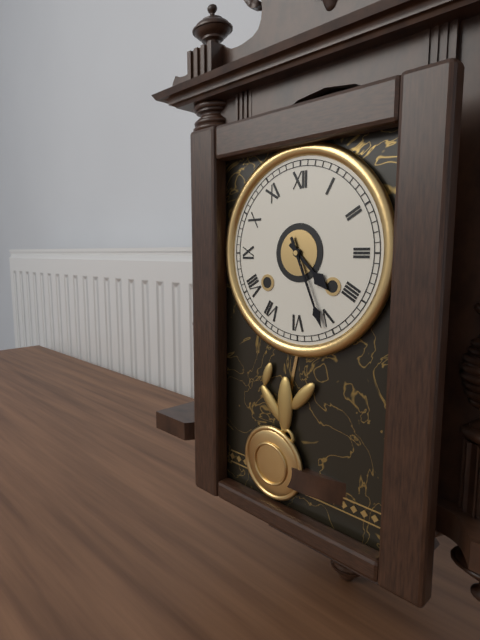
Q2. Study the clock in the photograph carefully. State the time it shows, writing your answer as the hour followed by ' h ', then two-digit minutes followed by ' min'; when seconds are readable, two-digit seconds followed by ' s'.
4 h 26 min
